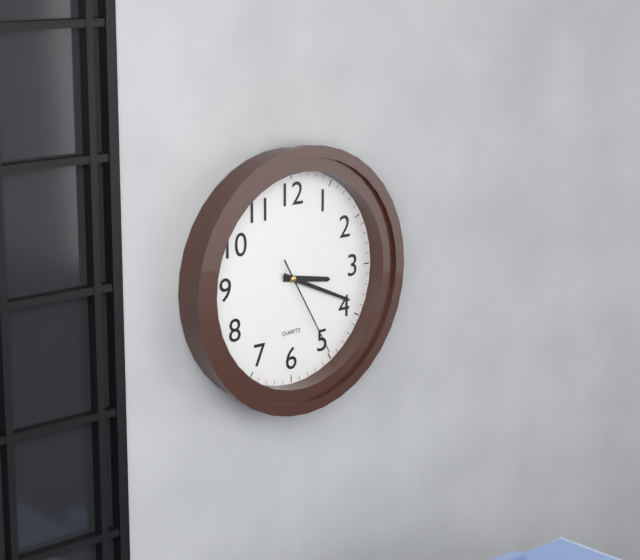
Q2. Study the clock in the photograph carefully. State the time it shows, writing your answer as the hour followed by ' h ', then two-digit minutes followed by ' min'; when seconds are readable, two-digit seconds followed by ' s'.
3 h 19 min 25 s
